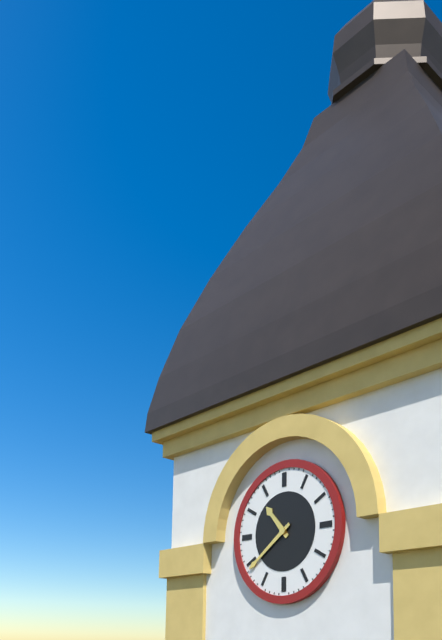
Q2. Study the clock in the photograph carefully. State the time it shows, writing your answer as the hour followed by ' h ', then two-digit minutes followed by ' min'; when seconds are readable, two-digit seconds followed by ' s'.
10 h 39 min
